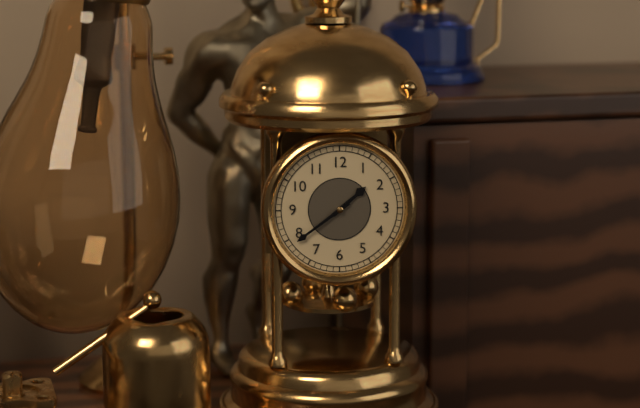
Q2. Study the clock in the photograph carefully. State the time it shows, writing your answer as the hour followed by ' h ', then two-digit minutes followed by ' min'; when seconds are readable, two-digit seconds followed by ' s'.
1 h 39 min
